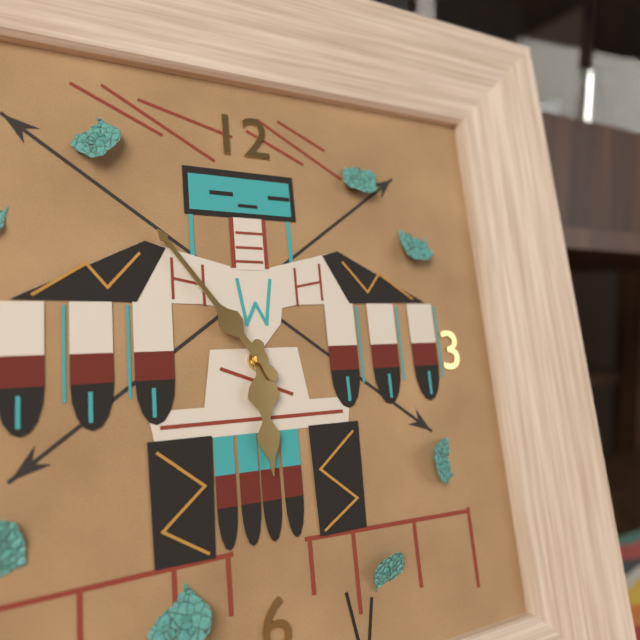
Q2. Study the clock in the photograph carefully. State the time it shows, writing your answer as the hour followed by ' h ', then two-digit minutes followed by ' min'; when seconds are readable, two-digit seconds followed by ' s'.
5 h 54 min
